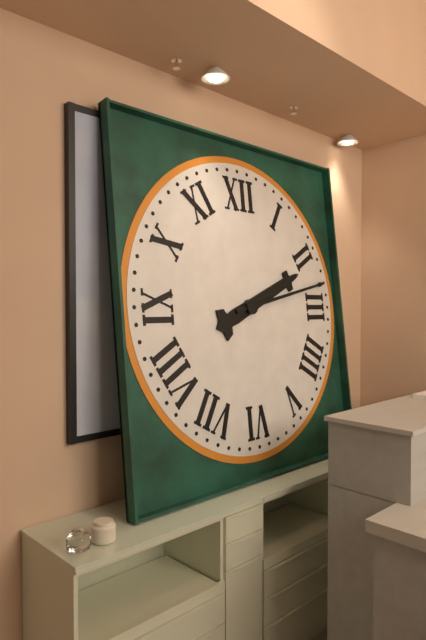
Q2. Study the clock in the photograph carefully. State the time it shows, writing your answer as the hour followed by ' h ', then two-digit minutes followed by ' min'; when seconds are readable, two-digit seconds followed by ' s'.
2 h 13 min
